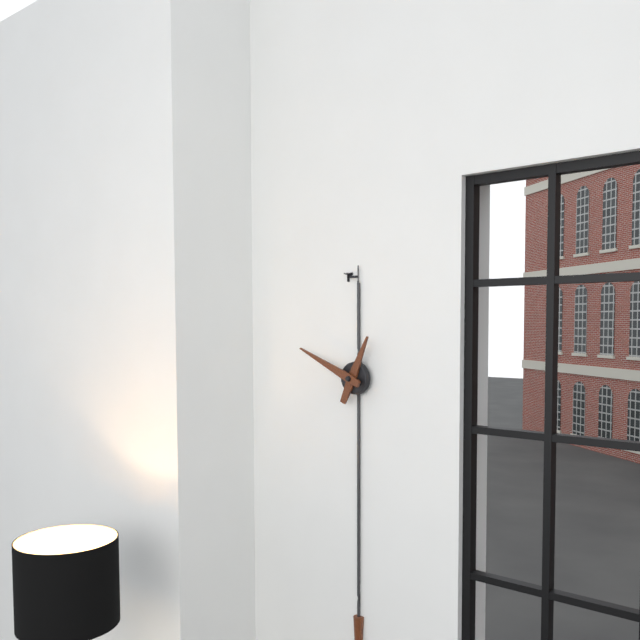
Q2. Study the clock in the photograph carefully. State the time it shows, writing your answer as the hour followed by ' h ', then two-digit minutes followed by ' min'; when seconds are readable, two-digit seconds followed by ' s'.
12 h 49 min
